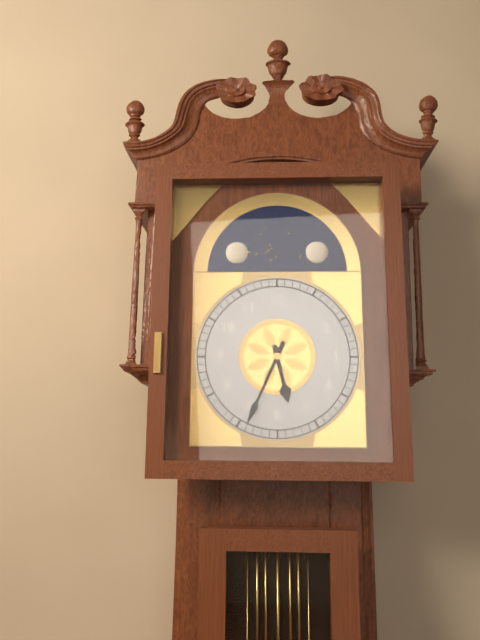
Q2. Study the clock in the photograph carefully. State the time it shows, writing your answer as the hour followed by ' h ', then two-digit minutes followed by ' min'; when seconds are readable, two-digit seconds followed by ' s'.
5 h 34 min
